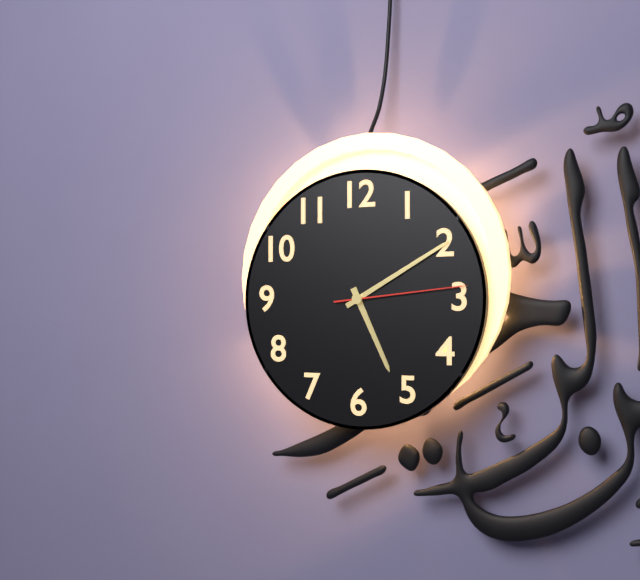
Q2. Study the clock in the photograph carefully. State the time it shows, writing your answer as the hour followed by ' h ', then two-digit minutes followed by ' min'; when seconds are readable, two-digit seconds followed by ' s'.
5 h 10 min 14 s
